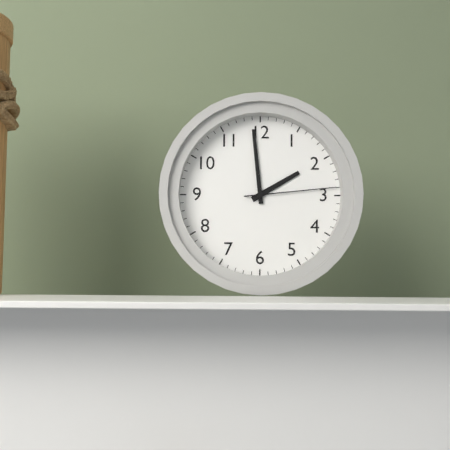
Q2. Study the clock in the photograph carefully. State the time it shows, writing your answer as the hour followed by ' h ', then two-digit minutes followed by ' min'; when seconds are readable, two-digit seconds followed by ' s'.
1 h 59 min 14 s
